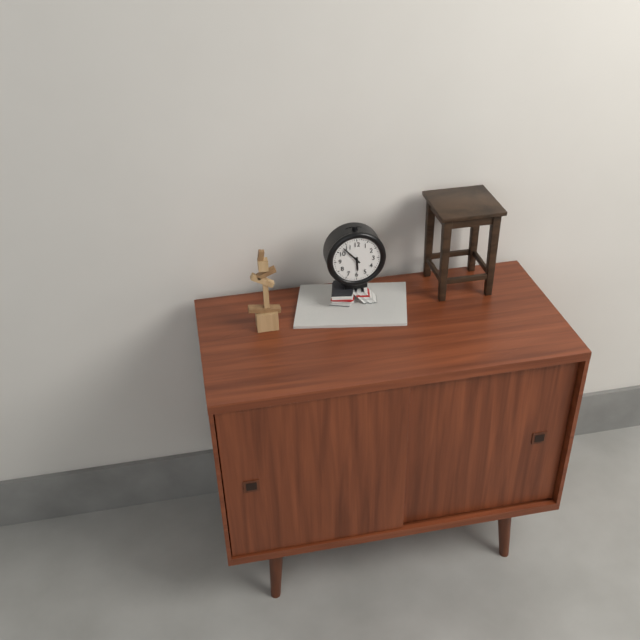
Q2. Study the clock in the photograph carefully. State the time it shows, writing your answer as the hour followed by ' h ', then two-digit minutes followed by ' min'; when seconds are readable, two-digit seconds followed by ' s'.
5 h 53 min
